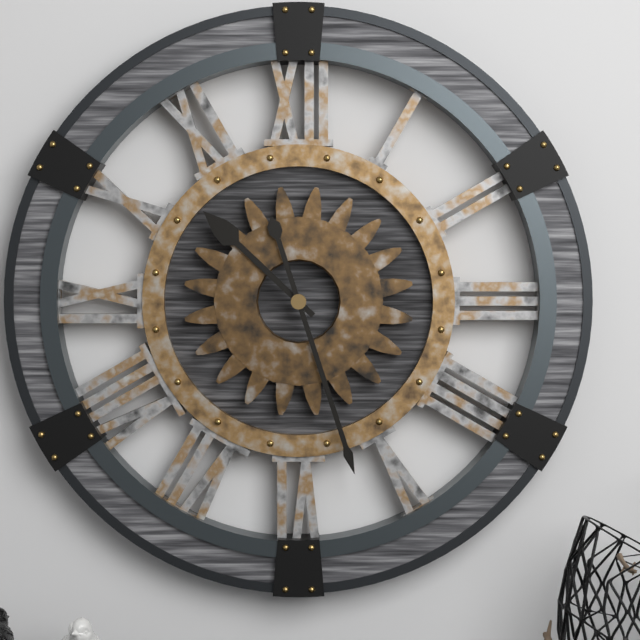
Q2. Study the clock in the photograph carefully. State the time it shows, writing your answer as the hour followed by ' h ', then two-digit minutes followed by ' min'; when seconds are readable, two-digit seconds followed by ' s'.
10 h 27 min
